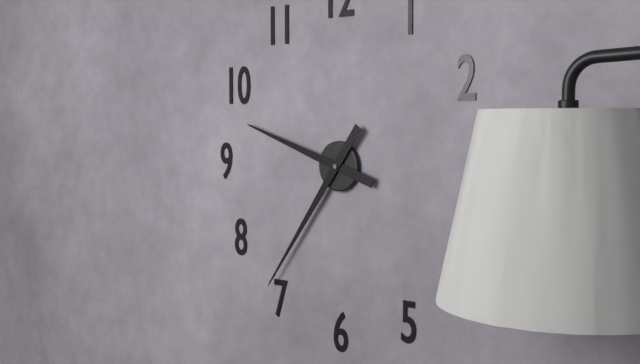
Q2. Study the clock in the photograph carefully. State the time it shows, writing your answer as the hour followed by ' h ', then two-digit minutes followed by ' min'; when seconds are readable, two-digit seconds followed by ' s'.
9 h 36 min
